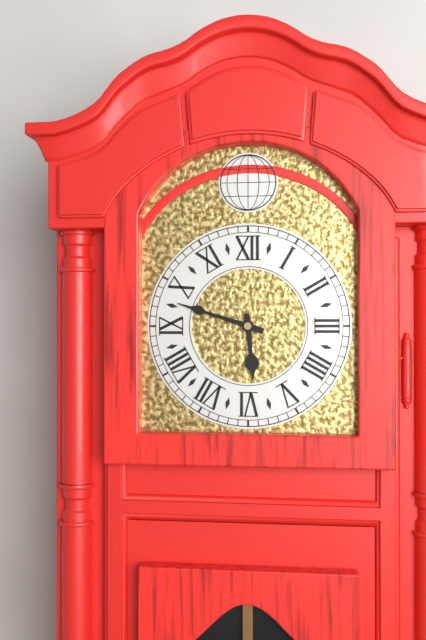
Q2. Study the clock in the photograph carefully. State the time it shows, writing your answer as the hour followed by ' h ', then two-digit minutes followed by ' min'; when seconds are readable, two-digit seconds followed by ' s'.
5 h 48 min
